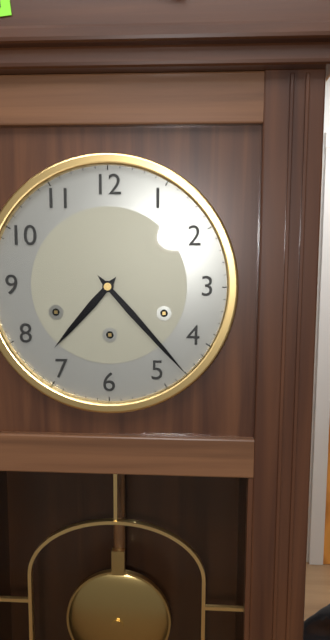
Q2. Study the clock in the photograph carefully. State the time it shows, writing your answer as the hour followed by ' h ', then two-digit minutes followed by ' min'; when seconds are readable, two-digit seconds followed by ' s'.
7 h 23 min
